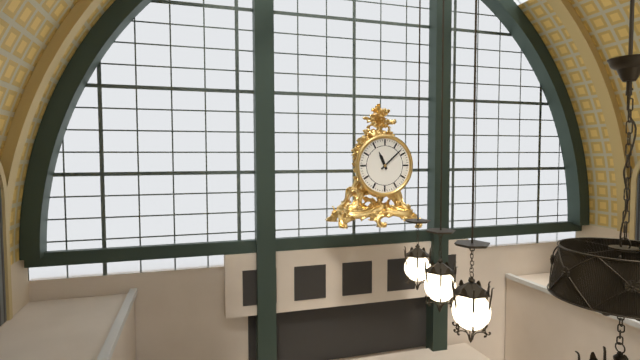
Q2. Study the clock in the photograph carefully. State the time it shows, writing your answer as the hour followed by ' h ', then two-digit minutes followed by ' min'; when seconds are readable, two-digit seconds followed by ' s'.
11 h 08 min
